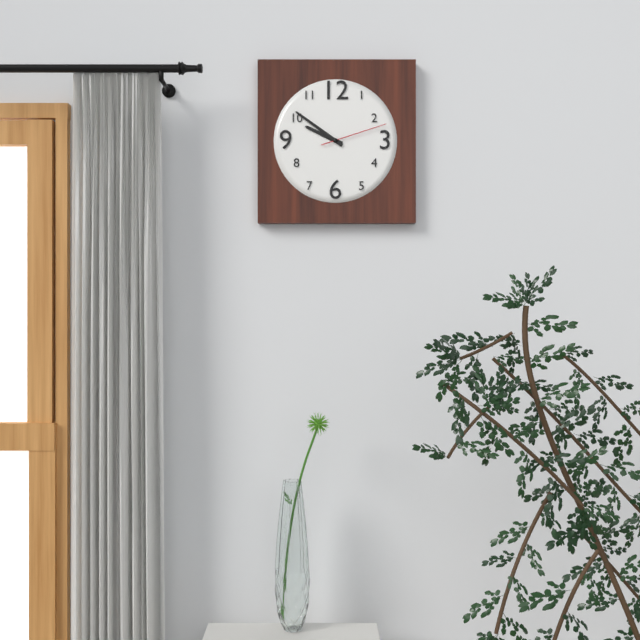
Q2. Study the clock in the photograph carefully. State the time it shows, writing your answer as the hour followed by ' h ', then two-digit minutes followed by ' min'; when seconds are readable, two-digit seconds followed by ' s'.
9 h 51 min 12 s
